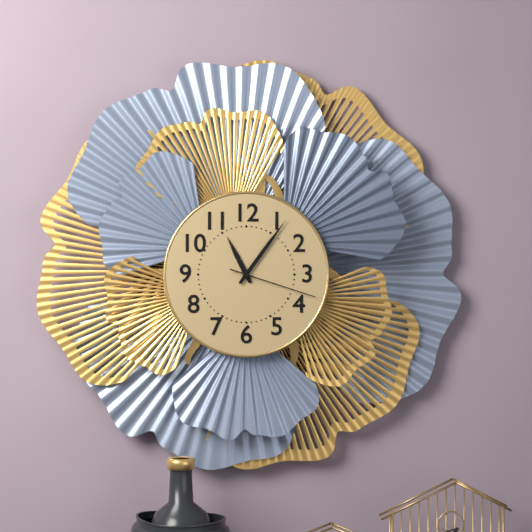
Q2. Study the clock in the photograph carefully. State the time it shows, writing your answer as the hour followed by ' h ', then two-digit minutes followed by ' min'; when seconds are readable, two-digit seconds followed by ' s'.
11 h 06 min 18 s
